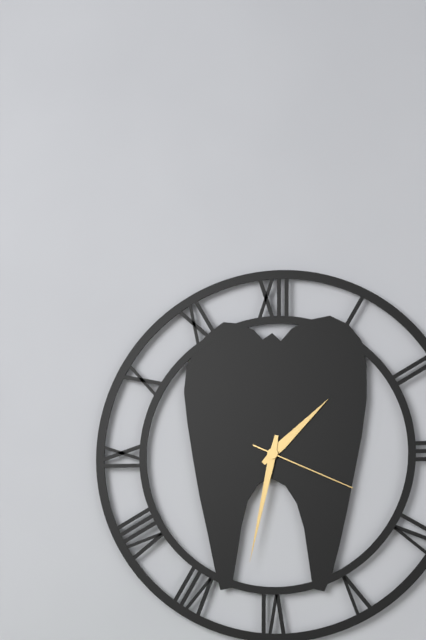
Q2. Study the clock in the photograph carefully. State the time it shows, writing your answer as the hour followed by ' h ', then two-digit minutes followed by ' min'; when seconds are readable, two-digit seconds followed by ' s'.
1 h 32 min 19 s
